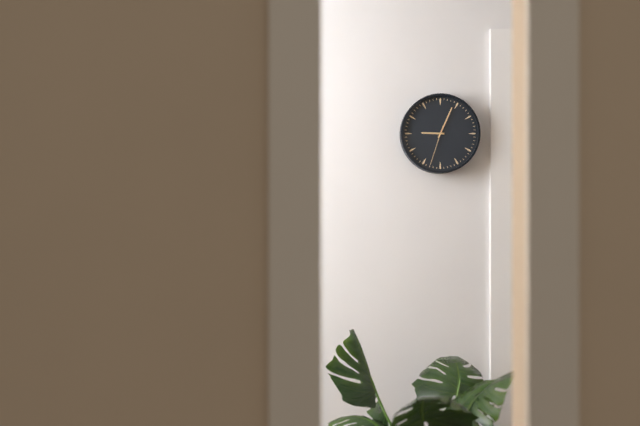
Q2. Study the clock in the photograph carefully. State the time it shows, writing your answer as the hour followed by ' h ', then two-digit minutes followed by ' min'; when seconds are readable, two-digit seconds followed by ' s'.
9 h 04 min
